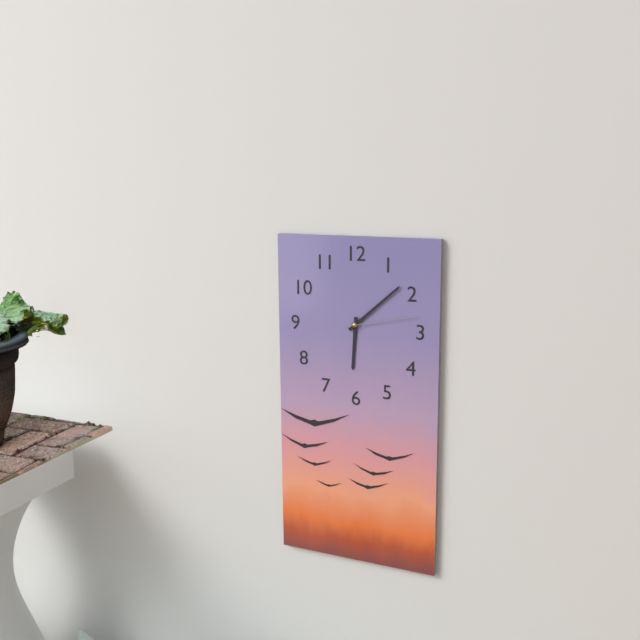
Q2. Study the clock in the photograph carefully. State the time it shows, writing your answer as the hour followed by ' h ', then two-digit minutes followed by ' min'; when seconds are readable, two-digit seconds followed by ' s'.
6 h 08 min 13 s
